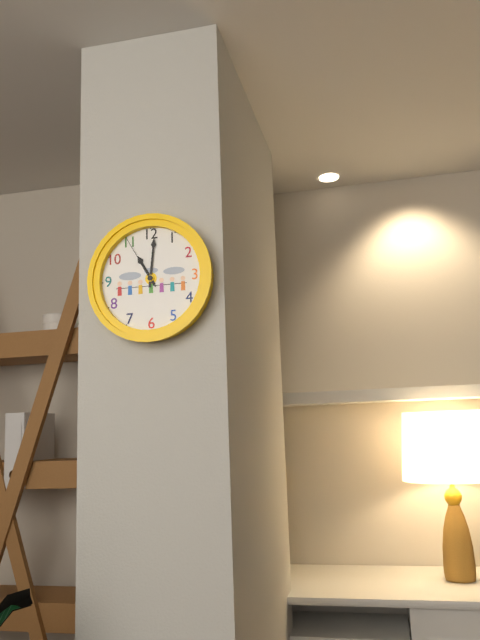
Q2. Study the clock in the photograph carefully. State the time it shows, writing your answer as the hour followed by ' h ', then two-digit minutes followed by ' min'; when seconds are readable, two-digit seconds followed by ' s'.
11 h 01 min 55 s
